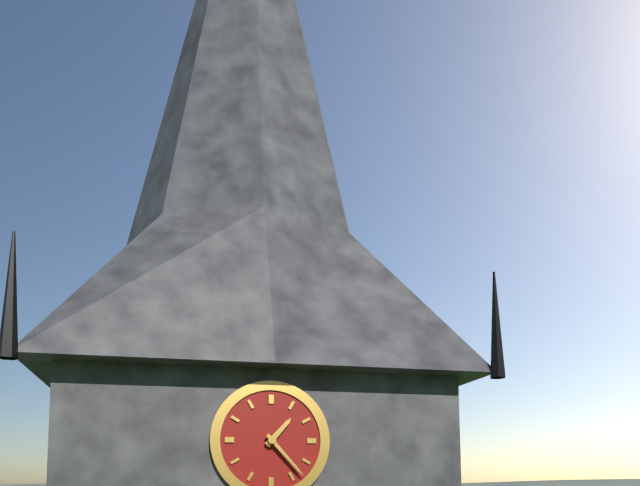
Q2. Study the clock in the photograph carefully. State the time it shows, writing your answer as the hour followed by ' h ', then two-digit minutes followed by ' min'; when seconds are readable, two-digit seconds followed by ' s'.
1 h 23 min
